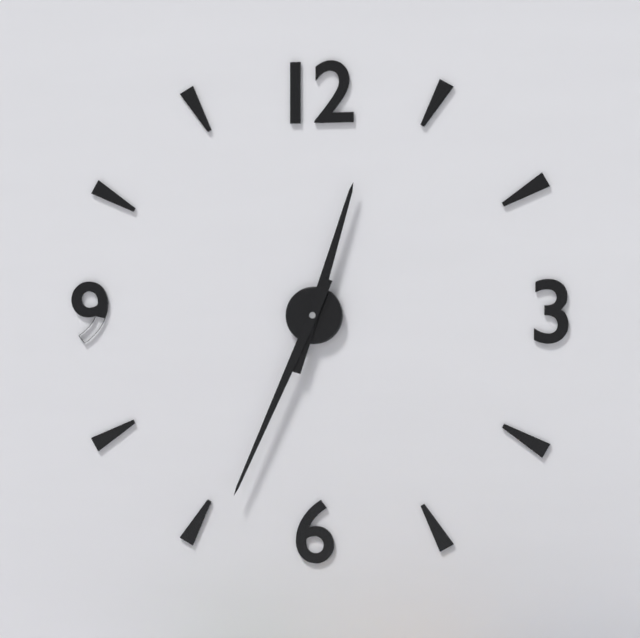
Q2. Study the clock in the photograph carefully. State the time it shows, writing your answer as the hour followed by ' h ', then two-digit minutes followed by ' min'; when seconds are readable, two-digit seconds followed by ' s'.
12 h 34 min
